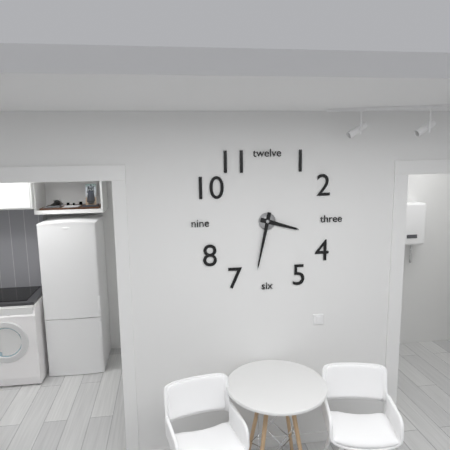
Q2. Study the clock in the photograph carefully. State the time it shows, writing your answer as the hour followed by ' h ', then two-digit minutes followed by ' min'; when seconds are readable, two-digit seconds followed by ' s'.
3 h 32 min
